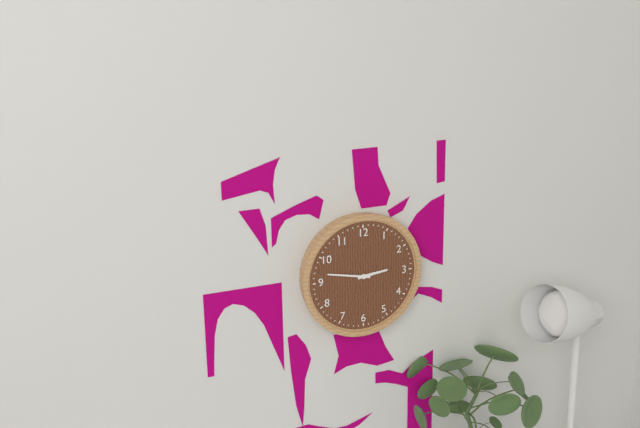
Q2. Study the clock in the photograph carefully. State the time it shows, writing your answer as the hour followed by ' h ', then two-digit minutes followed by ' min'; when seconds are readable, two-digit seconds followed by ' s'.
2 h 47 min
